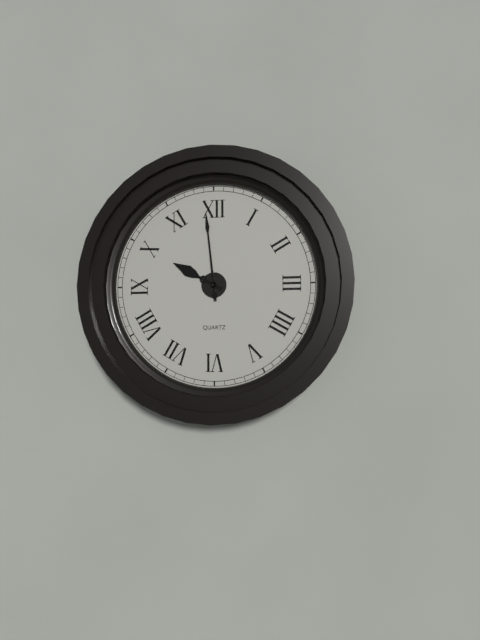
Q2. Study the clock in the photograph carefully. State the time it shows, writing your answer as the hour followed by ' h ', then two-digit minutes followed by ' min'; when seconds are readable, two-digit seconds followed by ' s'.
9 h 59 min
